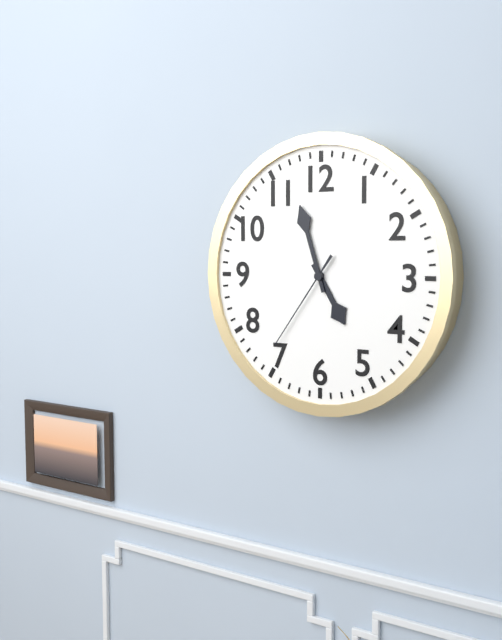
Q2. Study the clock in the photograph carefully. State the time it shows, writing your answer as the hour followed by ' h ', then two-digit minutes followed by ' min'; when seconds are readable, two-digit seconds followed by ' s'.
4 h 57 min 36 s
